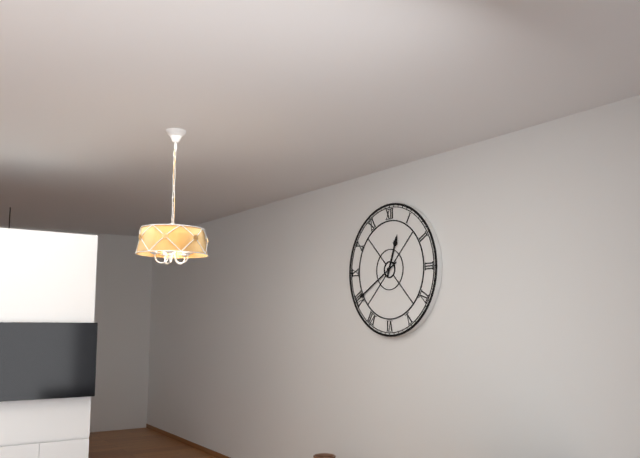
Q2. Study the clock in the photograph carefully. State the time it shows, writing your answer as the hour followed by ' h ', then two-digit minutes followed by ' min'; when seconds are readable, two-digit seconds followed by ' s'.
12 h 40 min
